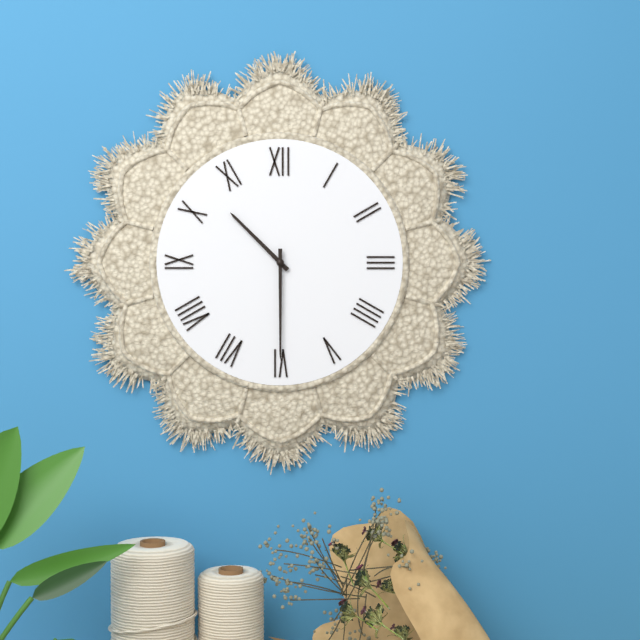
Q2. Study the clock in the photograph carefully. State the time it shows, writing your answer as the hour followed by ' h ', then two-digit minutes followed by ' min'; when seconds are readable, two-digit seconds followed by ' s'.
10 h 30 min
